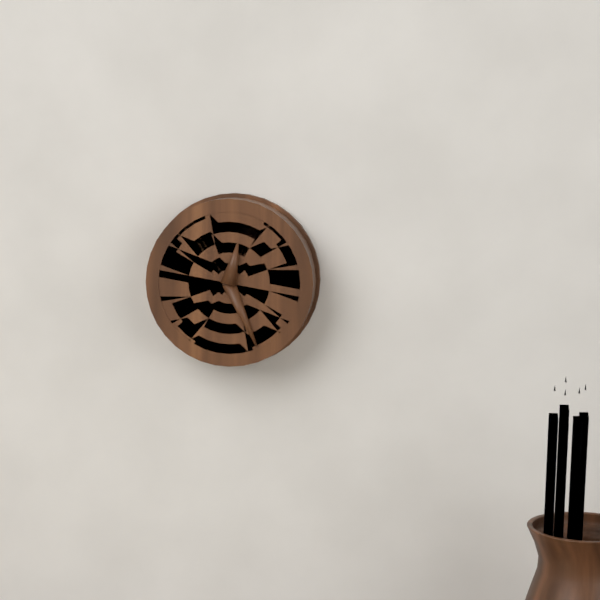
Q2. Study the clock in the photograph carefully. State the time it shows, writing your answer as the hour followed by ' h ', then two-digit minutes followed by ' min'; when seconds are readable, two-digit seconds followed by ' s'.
12 h 26 min
